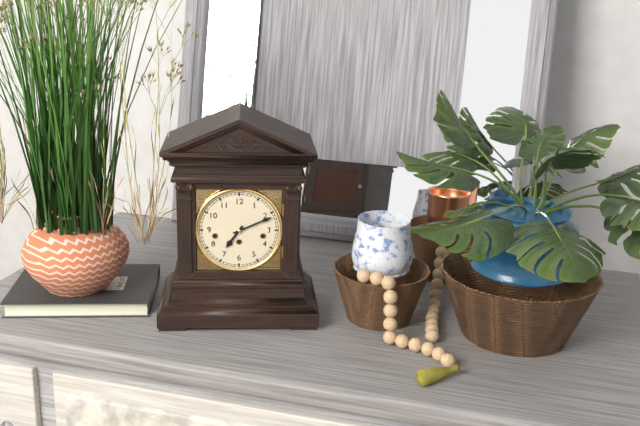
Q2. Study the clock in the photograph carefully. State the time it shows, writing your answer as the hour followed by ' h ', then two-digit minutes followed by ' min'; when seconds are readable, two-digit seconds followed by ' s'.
7 h 11 min
